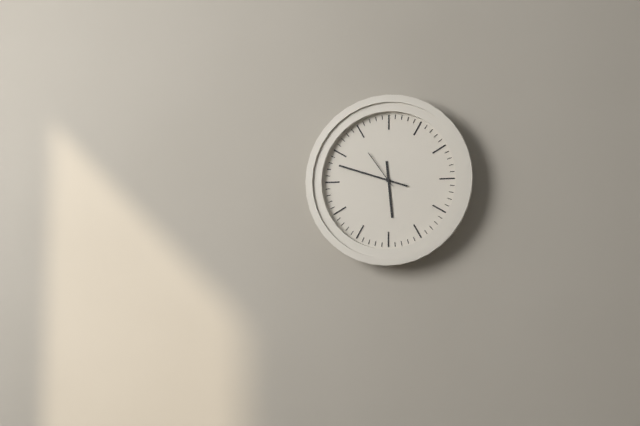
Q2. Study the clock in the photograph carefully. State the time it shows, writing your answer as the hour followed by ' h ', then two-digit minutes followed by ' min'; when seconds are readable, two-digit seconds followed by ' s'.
5 h 48 min
